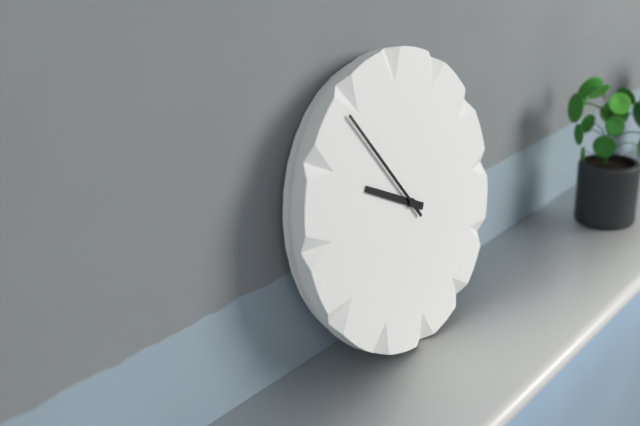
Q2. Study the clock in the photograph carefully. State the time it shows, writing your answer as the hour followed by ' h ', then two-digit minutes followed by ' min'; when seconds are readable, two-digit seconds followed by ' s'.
9 h 54 min
